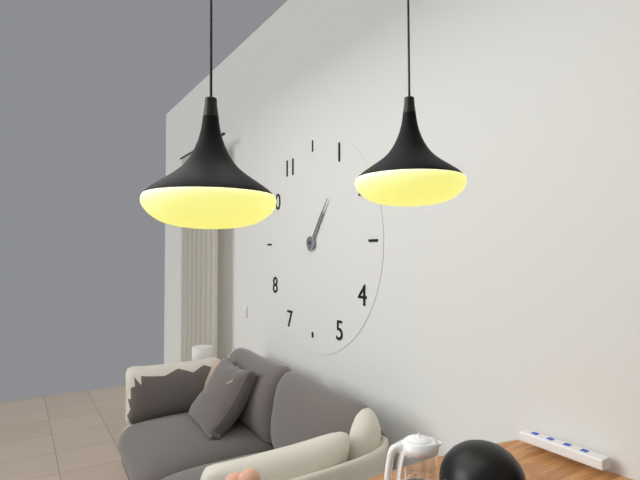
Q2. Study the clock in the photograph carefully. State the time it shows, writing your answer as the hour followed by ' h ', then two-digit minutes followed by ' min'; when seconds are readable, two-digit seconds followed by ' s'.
1 h 06 min
